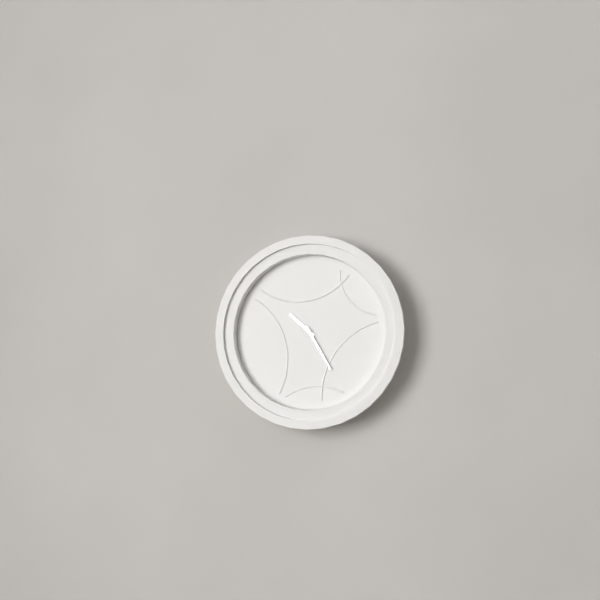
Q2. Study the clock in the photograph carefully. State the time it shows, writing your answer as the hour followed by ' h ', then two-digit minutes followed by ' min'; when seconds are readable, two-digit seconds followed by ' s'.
10 h 25 min
